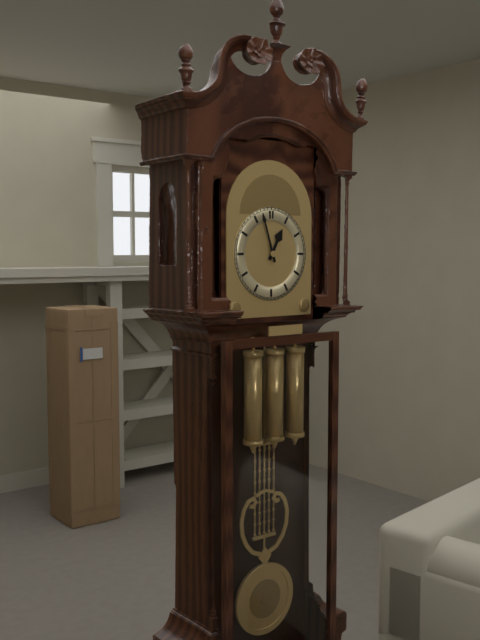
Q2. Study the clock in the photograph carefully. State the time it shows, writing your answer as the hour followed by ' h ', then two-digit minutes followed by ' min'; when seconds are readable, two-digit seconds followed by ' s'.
12 h 57 min
